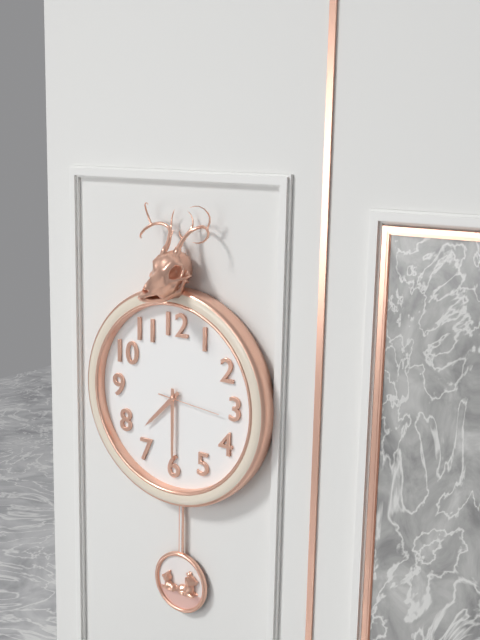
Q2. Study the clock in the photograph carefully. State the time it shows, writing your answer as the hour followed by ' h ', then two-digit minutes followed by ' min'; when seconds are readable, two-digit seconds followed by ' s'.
7 h 30 min 16 s
